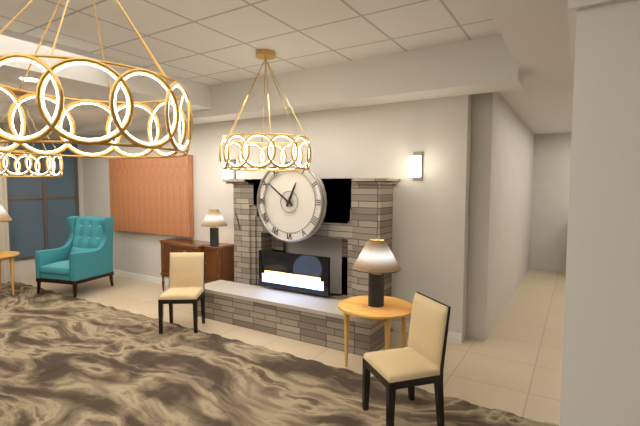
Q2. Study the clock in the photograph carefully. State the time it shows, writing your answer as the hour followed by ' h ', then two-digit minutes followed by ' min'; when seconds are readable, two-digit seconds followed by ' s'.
12 h 51 min
